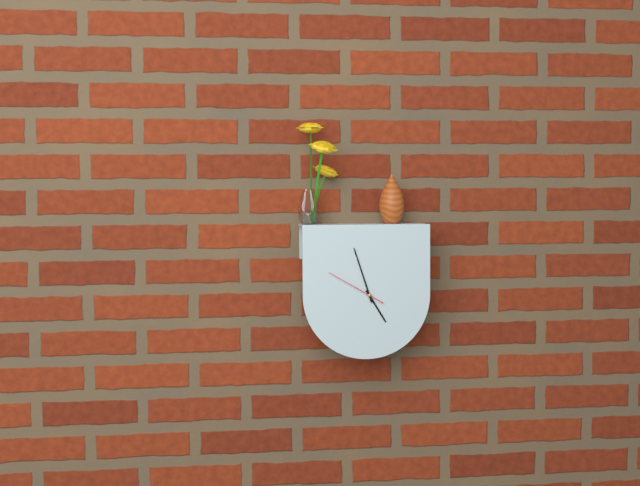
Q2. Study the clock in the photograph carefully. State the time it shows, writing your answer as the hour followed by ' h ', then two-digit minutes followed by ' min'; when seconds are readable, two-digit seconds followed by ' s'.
4 h 57 min 50 s
